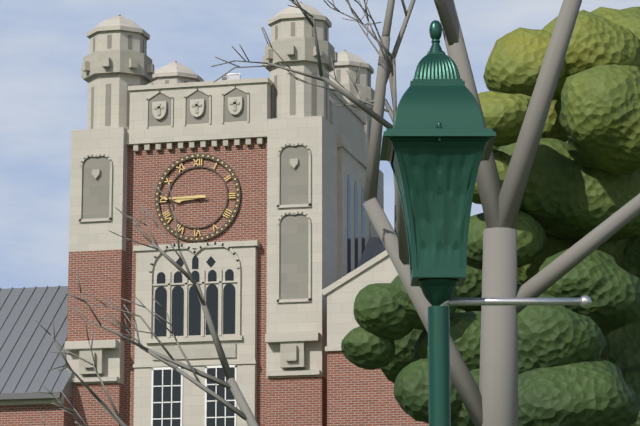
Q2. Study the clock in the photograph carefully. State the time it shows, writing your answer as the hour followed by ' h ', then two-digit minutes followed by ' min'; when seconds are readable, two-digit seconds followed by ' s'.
8 h 45 min
